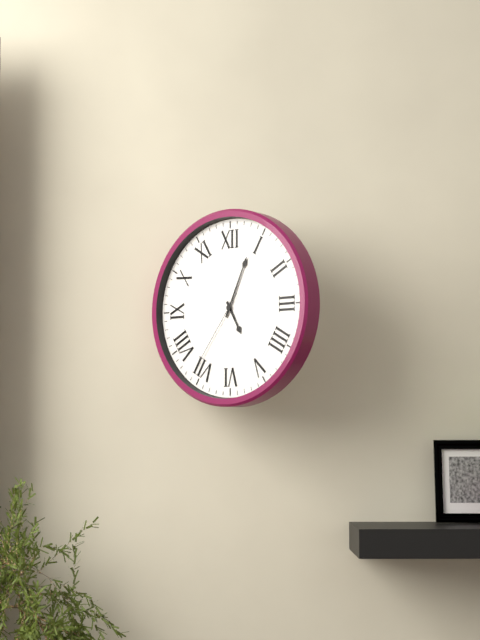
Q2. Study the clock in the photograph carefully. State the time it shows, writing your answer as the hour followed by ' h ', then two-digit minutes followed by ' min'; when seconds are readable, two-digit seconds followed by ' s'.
5 h 04 min 36 s
